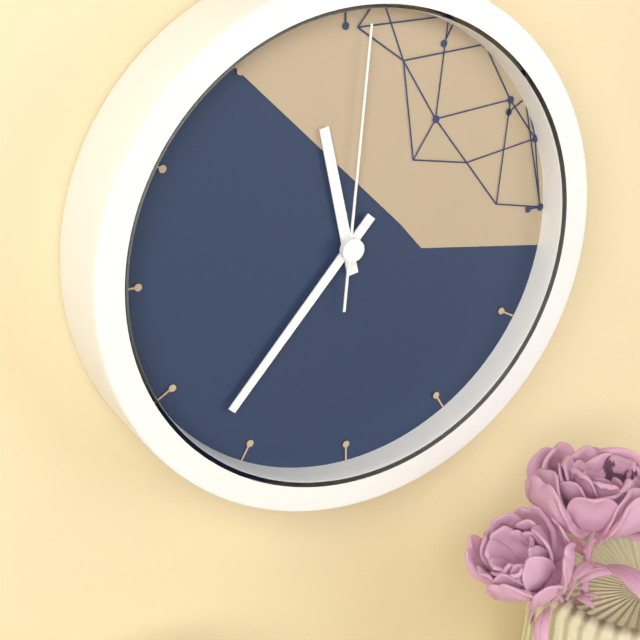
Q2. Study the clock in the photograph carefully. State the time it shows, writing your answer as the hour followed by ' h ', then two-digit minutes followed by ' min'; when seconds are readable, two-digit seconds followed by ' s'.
11 h 37 min 01 s
